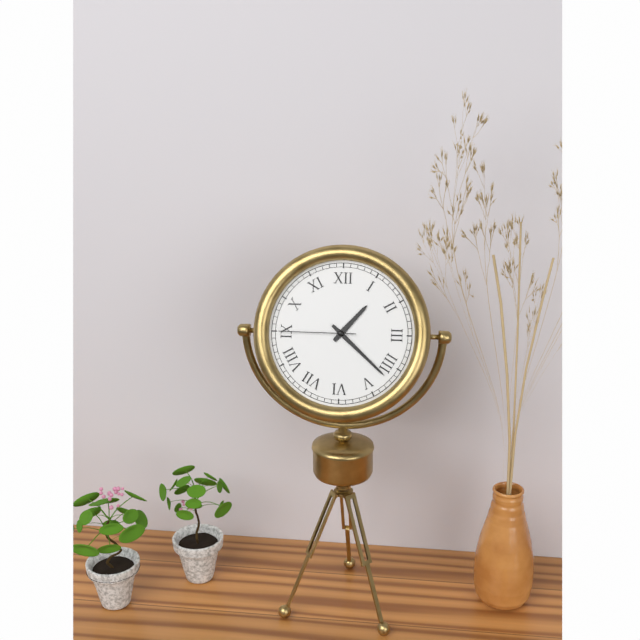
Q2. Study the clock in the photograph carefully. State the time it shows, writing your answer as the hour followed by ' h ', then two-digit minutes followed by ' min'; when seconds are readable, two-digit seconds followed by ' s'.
1 h 22 min 45 s
